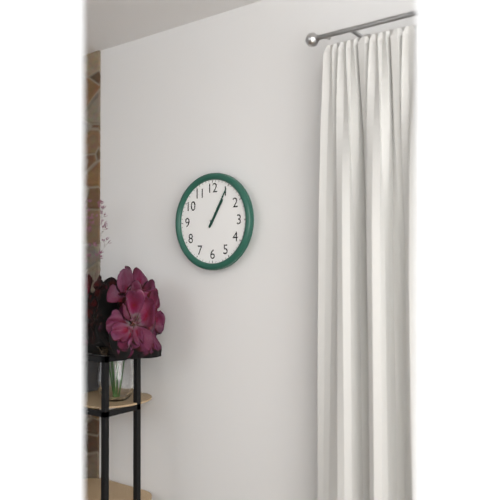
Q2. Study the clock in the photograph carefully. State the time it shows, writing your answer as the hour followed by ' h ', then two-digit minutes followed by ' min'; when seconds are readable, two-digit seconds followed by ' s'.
1 h 05 min
